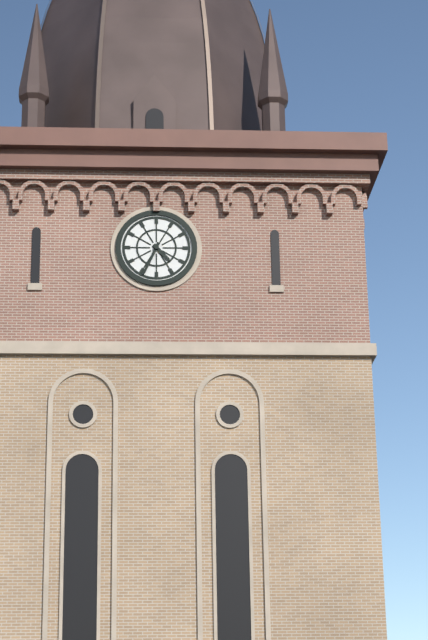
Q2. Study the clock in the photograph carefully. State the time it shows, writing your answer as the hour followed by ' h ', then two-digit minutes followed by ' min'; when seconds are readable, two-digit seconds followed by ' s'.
4 h 34 min
